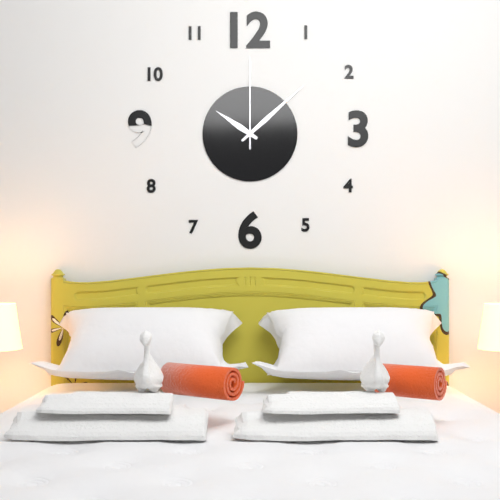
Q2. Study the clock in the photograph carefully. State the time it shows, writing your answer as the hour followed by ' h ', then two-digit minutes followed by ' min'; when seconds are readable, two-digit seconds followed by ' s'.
10 h 08 min 00 s
